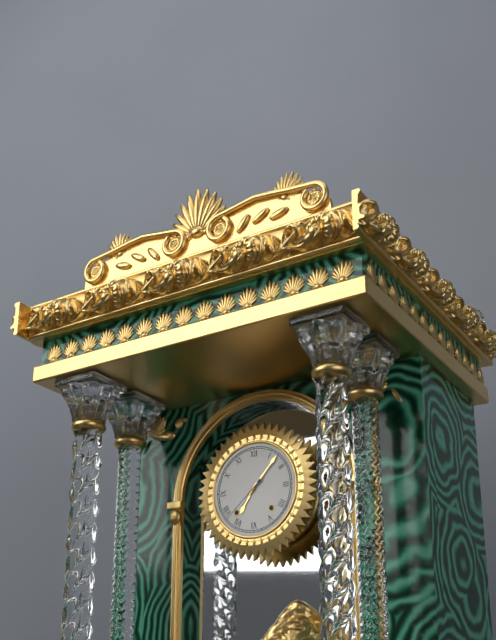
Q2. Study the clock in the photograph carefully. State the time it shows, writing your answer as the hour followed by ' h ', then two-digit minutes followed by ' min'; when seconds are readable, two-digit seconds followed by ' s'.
7 h 07 min 38 s
